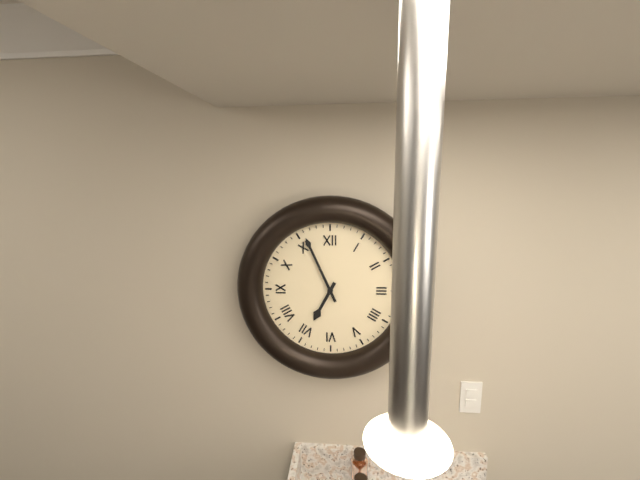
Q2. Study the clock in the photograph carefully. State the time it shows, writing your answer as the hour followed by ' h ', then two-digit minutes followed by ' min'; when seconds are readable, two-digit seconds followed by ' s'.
6 h 56 min
